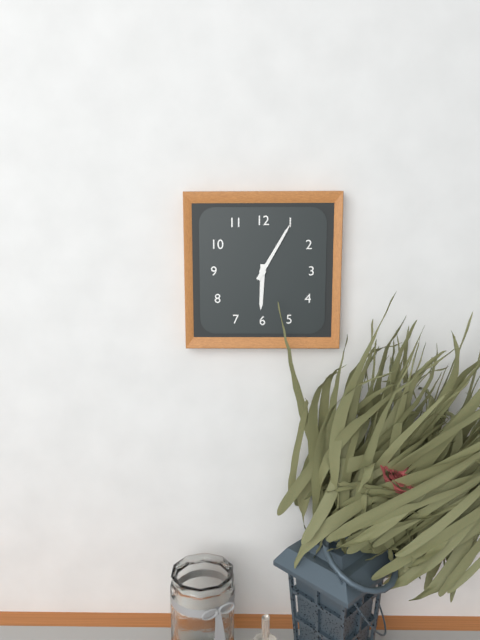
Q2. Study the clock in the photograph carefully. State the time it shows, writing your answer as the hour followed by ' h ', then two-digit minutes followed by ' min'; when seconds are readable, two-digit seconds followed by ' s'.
6 h 05 min
